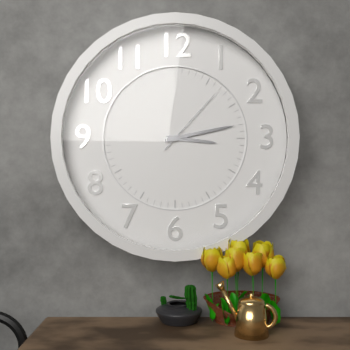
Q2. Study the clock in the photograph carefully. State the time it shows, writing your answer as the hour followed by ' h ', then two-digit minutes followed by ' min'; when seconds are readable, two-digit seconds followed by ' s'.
3 h 13 min 07 s
